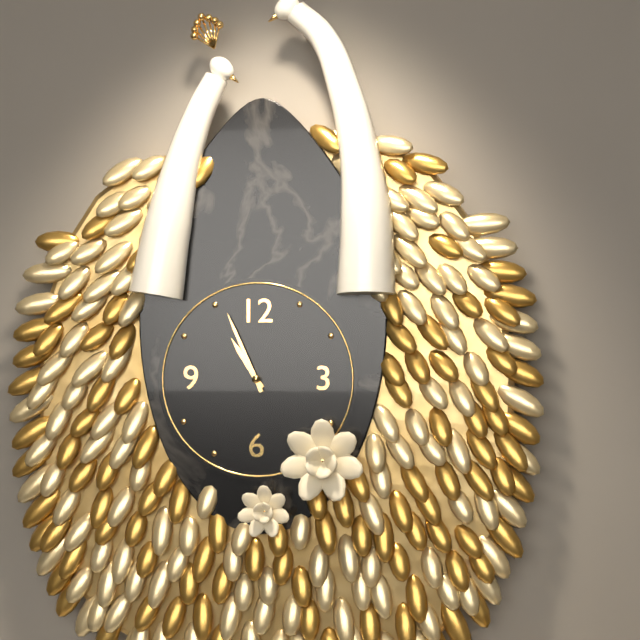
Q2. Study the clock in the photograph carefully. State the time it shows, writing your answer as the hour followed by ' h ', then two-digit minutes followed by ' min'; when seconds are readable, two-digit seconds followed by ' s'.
10 h 56 min
